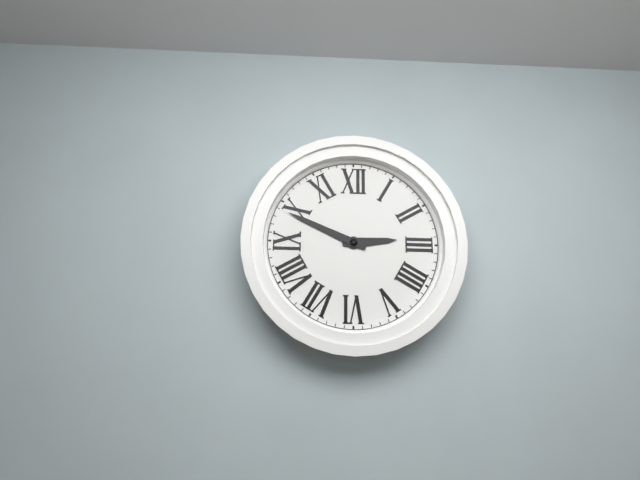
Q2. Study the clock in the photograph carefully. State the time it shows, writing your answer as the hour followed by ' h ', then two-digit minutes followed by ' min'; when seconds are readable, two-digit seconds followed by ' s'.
2 h 49 min
